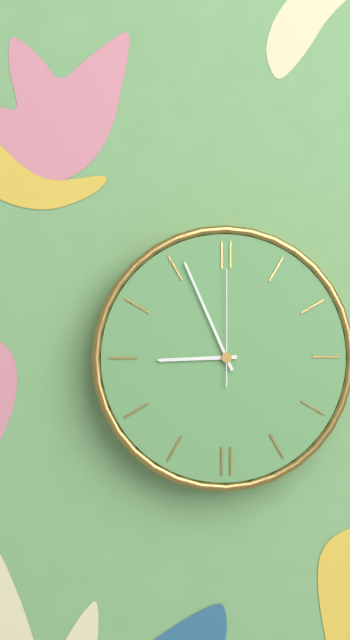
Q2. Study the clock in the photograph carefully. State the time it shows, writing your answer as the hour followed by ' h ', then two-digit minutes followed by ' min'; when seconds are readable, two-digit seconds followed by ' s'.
8 h 56 min 00 s
